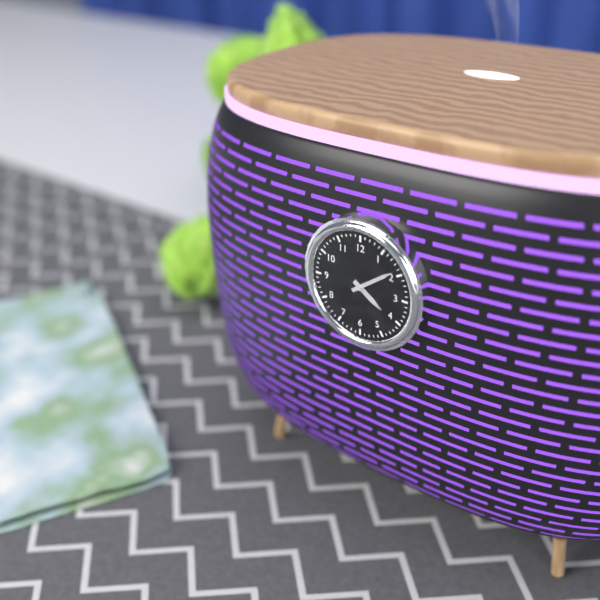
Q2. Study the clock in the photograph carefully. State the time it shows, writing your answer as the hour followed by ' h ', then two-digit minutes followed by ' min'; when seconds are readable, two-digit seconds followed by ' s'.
4 h 09 min
